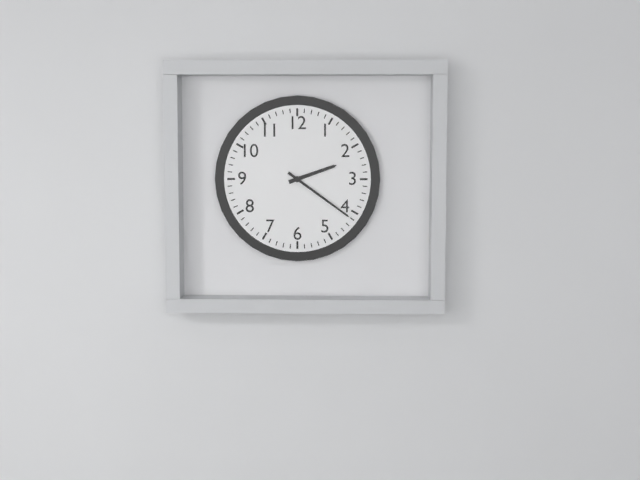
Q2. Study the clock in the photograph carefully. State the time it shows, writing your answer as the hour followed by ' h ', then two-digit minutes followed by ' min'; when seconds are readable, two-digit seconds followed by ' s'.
2 h 21 min
